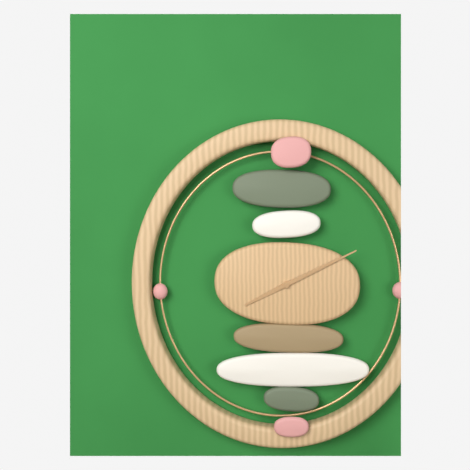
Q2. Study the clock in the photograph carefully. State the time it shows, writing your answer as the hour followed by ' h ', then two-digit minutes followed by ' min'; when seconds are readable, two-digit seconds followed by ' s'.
8 h 11 min
